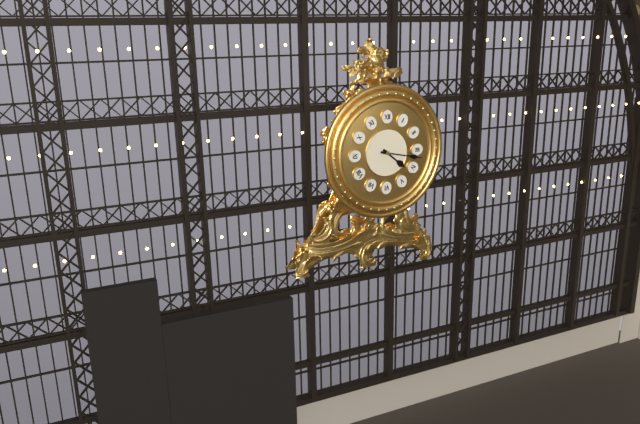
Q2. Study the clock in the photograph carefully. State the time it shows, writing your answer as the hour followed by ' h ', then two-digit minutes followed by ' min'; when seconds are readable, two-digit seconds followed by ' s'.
4 h 17 min
